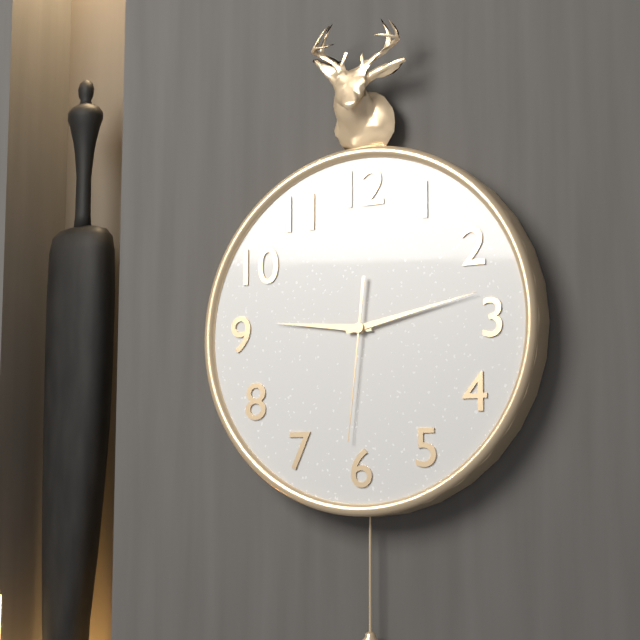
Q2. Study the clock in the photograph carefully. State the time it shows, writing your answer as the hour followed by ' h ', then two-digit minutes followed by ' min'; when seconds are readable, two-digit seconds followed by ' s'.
9 h 13 min 31 s
